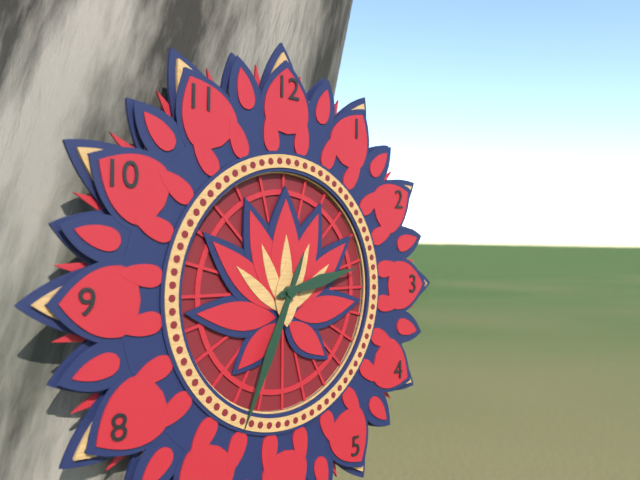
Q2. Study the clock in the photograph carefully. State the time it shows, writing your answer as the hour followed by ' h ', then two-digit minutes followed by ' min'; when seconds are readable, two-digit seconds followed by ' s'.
2 h 34 min
